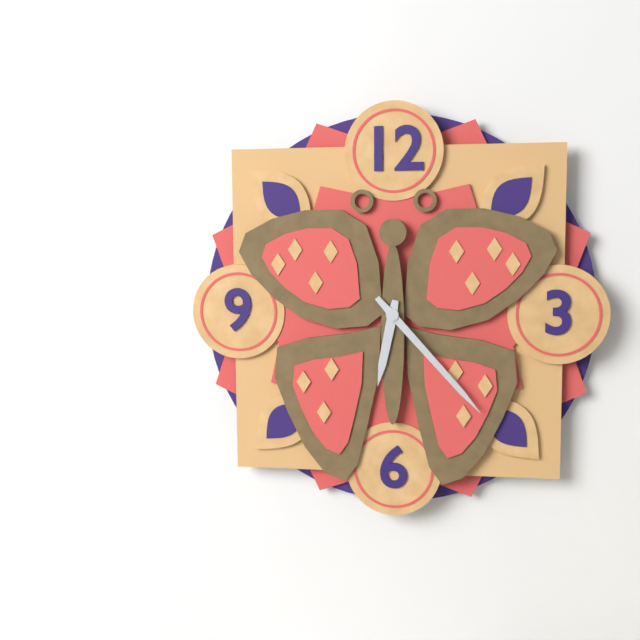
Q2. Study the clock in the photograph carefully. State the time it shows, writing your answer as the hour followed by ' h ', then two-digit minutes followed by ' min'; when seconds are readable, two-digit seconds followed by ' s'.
6 h 23 min
